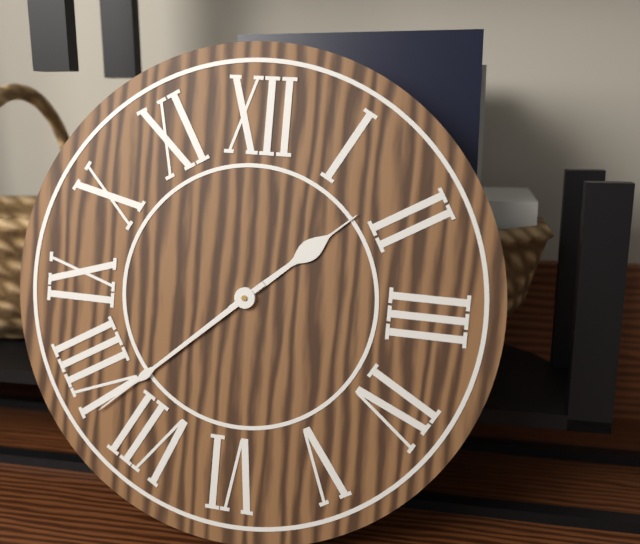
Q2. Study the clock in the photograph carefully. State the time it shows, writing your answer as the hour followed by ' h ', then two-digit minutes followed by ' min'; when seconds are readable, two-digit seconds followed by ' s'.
1 h 38 min
